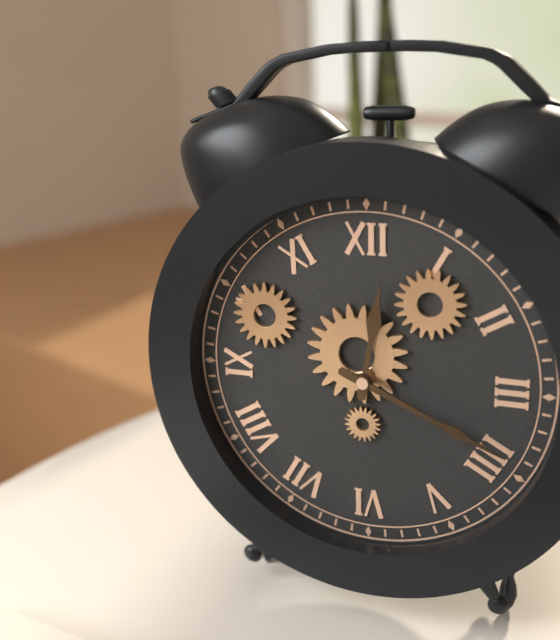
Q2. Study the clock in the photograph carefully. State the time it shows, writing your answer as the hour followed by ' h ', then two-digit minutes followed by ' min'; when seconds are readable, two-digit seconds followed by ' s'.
12 h 19 min
